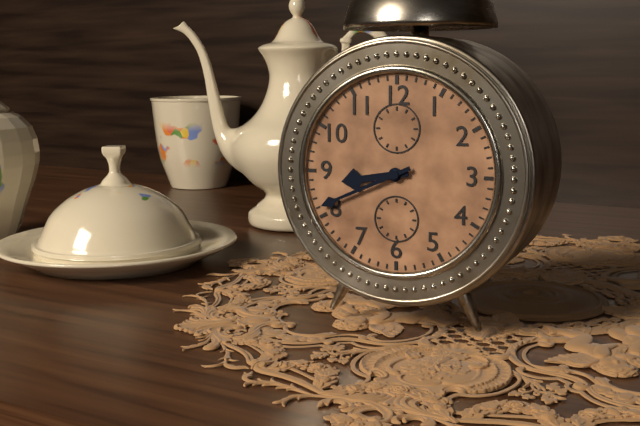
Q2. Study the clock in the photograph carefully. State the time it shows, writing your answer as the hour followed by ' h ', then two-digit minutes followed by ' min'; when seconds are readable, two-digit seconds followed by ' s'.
8 h 41 min
